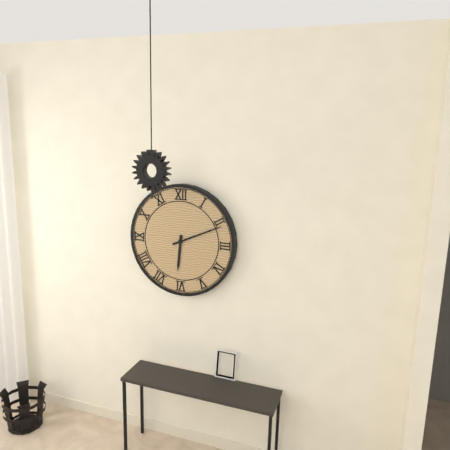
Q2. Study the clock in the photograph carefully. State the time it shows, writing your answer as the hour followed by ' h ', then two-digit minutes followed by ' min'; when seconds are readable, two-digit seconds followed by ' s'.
6 h 11 min
